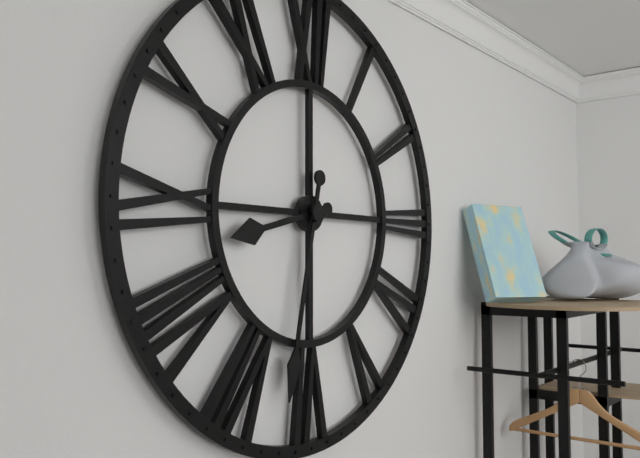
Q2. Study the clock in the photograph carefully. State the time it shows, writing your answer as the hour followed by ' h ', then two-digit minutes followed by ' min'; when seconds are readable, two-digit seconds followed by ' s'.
8 h 32 min
